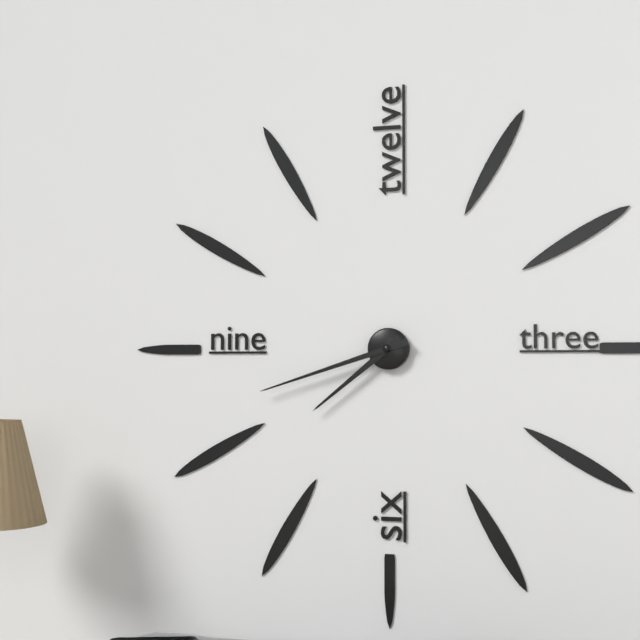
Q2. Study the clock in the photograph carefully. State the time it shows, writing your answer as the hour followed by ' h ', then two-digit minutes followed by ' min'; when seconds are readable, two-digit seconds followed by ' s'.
7 h 42 min
